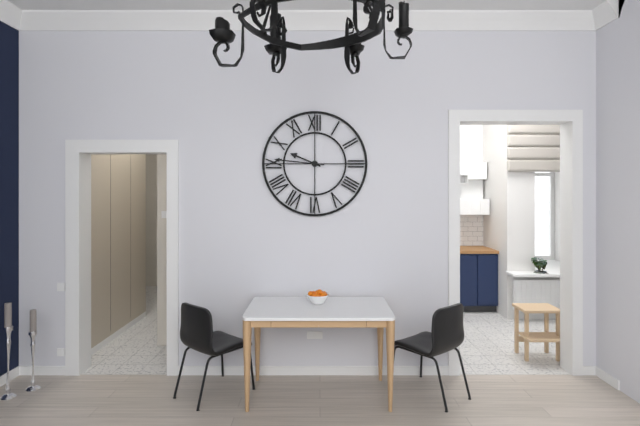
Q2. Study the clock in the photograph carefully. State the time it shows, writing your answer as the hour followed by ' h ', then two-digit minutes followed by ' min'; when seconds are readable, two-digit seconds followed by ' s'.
9 h 46 min
